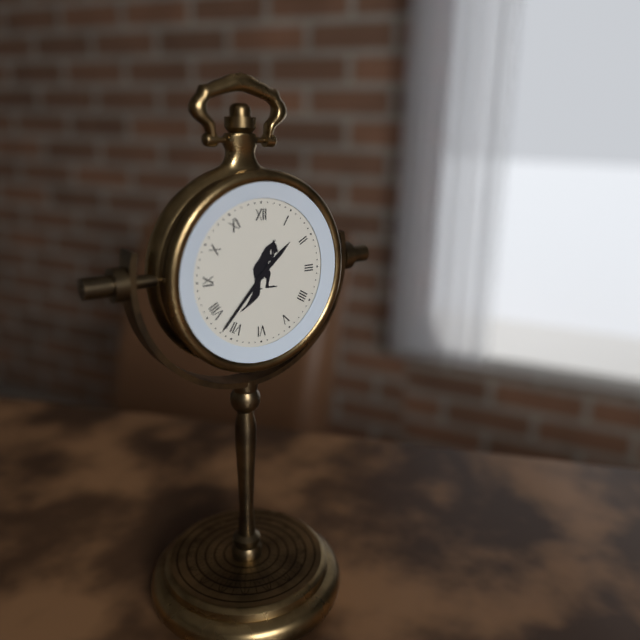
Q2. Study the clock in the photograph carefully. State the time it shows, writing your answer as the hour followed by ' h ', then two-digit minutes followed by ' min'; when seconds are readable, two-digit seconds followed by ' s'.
1 h 37 min
